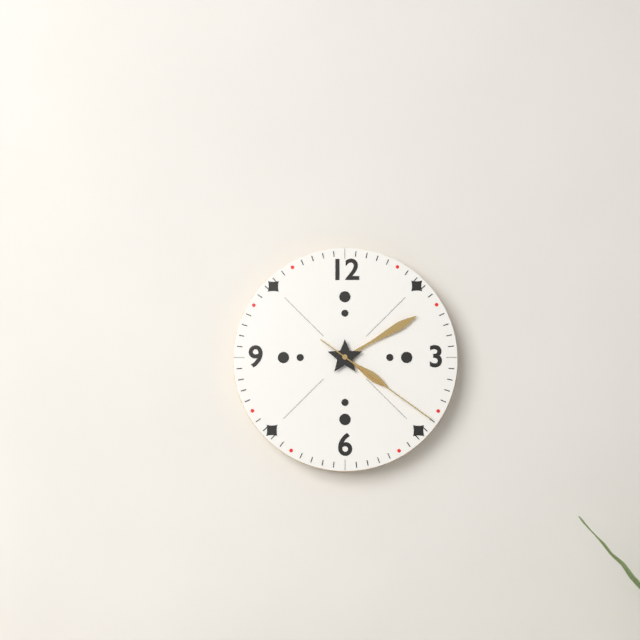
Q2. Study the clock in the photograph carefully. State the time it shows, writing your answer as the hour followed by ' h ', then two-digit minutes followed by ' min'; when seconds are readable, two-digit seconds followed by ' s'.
4 h 10 min 21 s
